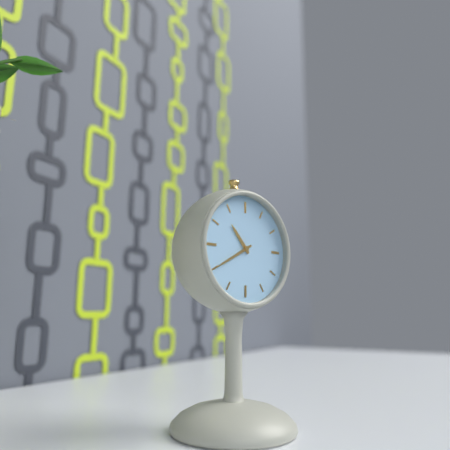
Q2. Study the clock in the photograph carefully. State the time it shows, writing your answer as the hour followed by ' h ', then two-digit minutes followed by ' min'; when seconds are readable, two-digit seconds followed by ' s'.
10 h 40 min
